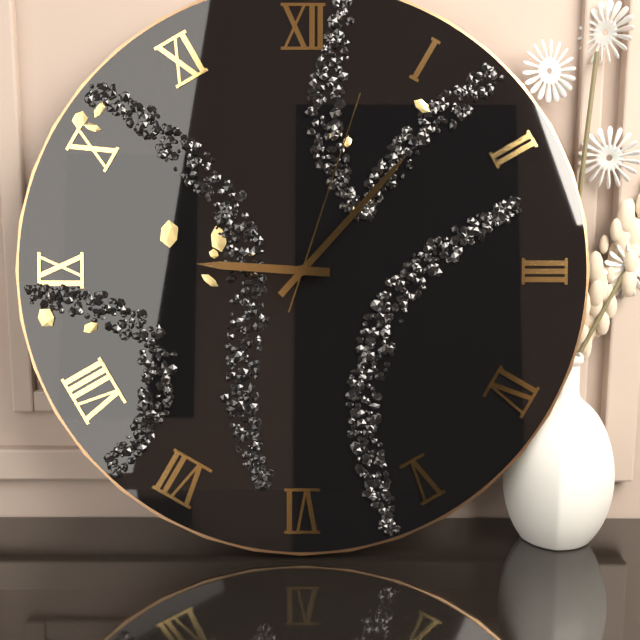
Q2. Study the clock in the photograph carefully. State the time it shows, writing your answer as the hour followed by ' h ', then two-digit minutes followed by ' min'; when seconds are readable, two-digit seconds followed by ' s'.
9 h 07 min 03 s
